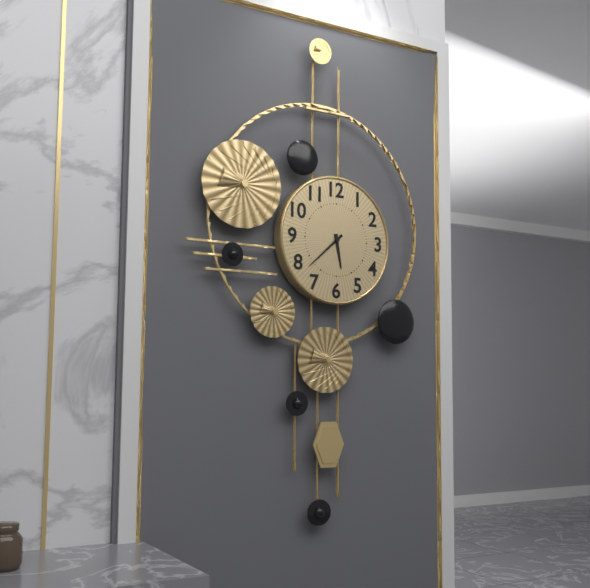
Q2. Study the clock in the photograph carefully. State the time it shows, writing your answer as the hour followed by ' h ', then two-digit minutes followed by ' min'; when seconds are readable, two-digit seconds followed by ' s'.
5 h 38 min
